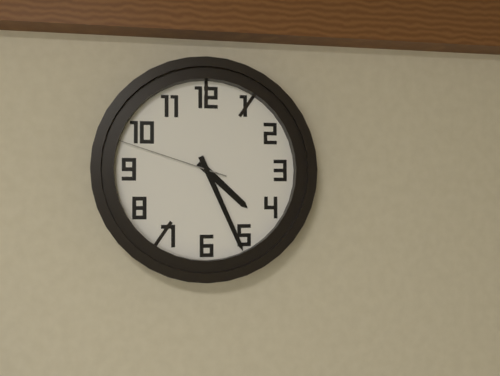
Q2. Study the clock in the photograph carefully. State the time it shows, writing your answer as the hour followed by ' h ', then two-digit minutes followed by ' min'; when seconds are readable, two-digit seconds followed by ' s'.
4 h 26 min 48 s
